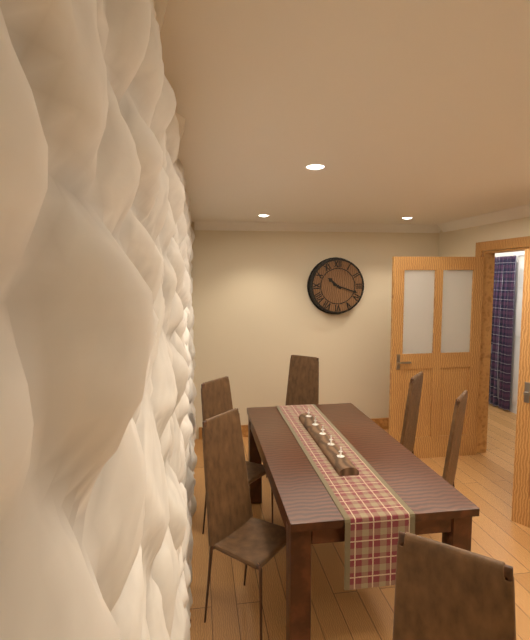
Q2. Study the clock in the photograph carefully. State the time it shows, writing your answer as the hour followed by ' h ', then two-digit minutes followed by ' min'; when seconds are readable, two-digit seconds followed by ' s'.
10 h 18 min
